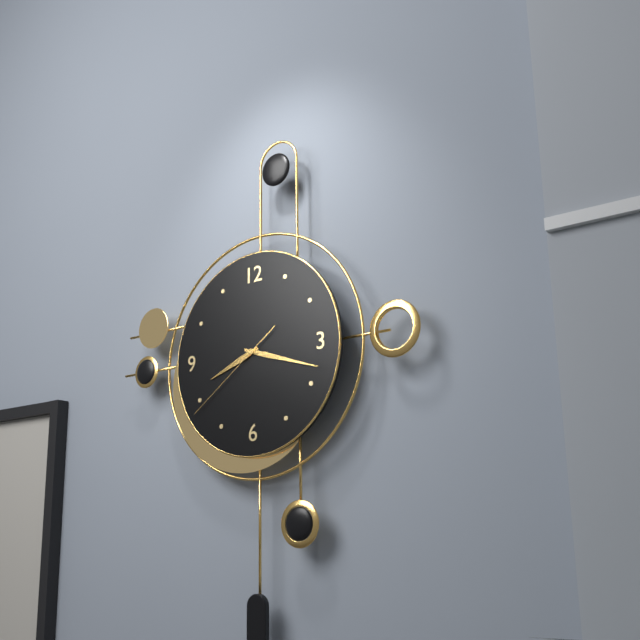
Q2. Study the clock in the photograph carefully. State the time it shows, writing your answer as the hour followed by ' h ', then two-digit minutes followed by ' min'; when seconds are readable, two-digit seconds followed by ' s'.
8 h 18 min 39 s
